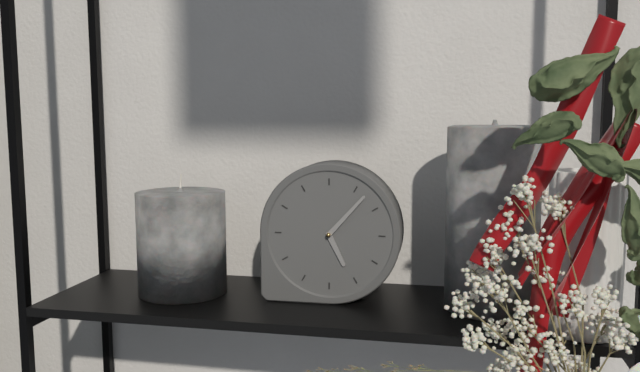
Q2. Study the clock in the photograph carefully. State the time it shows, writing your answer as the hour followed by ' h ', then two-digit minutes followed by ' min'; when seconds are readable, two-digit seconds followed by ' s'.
5 h 07 min
